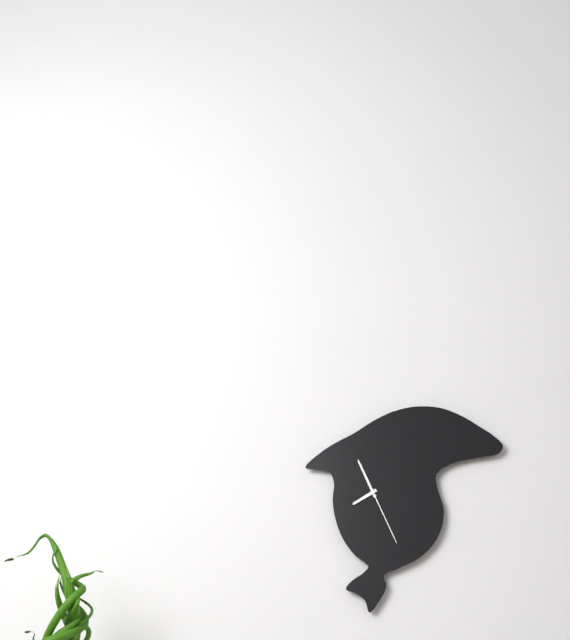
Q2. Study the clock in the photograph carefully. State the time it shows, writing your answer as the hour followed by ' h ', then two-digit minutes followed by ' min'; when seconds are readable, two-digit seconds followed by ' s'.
7 h 56 min 26 s
